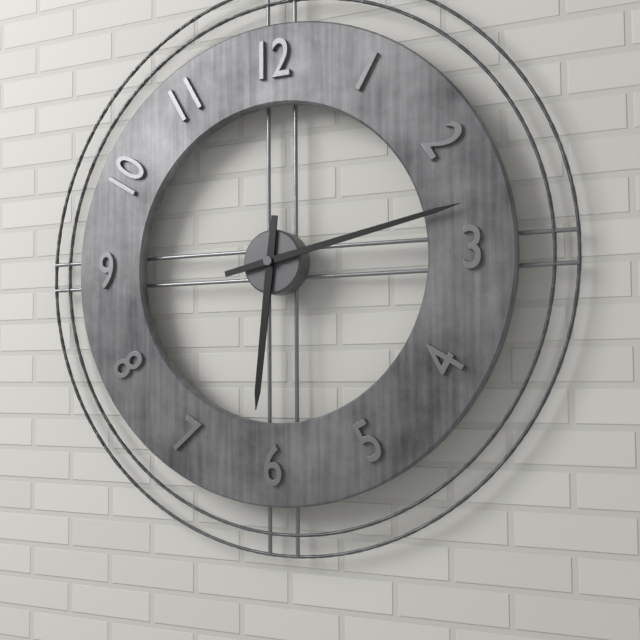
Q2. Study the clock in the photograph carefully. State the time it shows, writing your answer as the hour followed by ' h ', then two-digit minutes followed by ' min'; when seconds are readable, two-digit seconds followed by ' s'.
6 h 13 min
